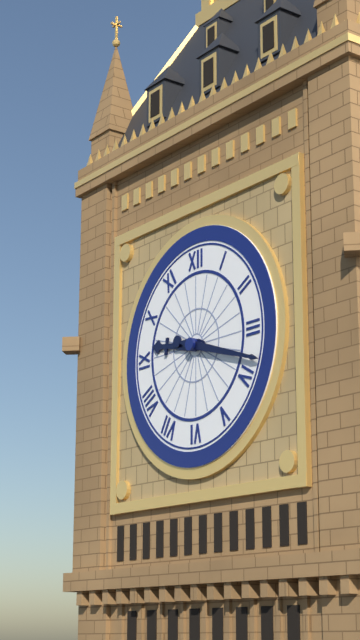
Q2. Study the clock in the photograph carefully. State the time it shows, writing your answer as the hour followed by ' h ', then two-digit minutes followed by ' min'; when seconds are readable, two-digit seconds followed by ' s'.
9 h 18 min
